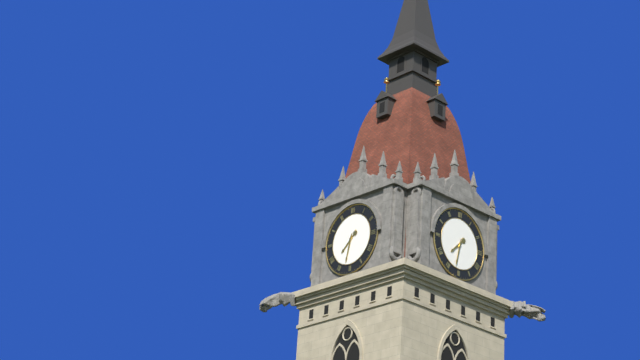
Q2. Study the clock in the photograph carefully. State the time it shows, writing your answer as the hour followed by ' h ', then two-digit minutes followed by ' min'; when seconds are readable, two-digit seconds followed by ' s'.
7 h 32 min
